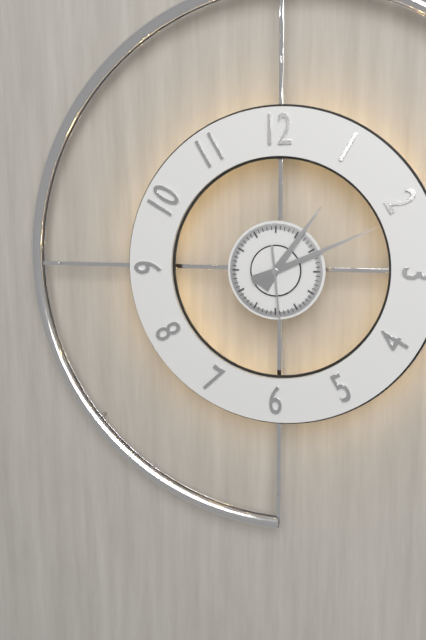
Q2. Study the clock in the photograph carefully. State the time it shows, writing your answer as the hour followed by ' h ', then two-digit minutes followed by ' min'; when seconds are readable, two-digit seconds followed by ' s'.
1 h 11 min 29 s
